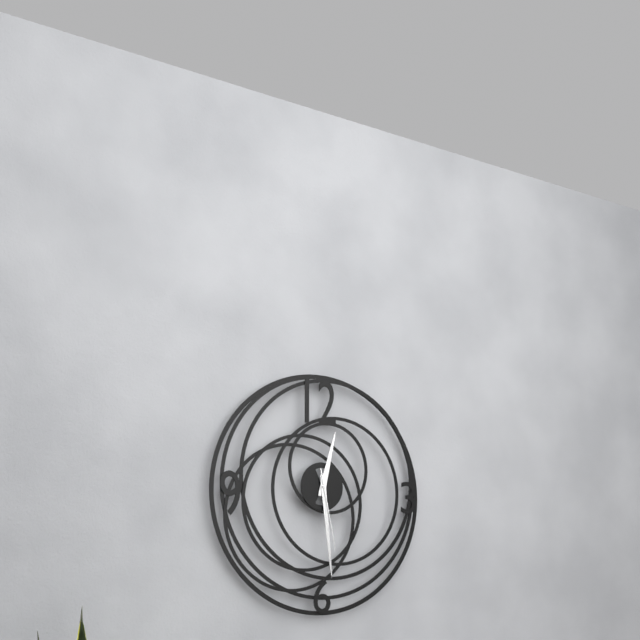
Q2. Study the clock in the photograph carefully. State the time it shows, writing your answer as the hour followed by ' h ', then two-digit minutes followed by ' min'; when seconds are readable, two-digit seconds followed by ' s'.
12 h 29 min 28 s
